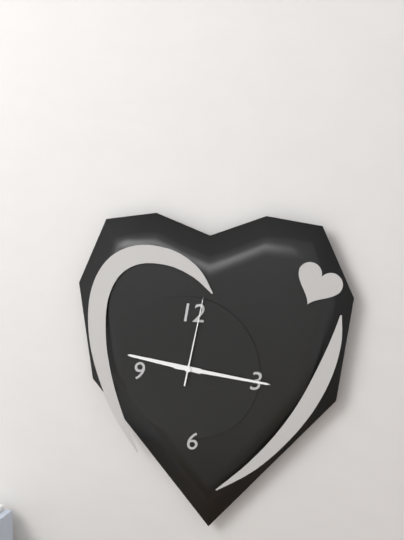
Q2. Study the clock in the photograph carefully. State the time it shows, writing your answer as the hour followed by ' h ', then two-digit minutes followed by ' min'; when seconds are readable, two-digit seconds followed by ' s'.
9 h 16 min 02 s
